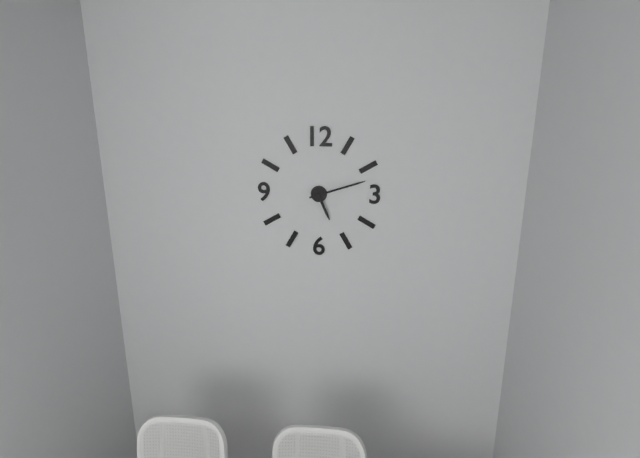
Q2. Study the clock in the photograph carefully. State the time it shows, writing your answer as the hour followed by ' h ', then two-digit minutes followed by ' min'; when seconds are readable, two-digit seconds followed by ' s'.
5 h 12 min
